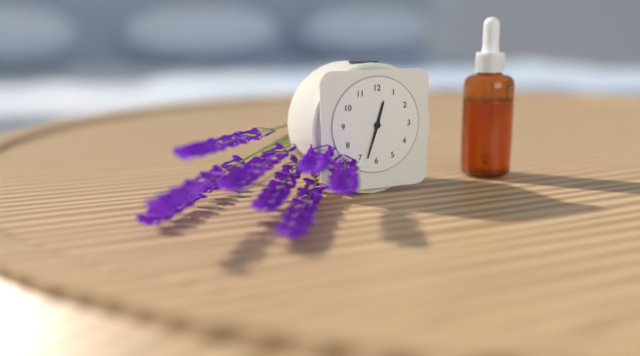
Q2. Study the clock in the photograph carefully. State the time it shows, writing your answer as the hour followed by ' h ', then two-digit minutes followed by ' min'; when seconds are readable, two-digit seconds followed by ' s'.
12 h 33 min
